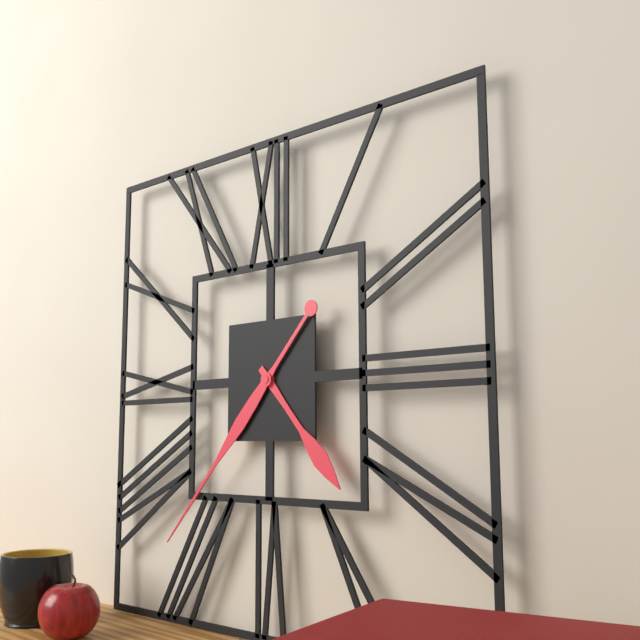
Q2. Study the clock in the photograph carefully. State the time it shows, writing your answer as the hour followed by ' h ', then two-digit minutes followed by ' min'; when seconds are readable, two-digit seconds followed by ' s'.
4 h 37 min
